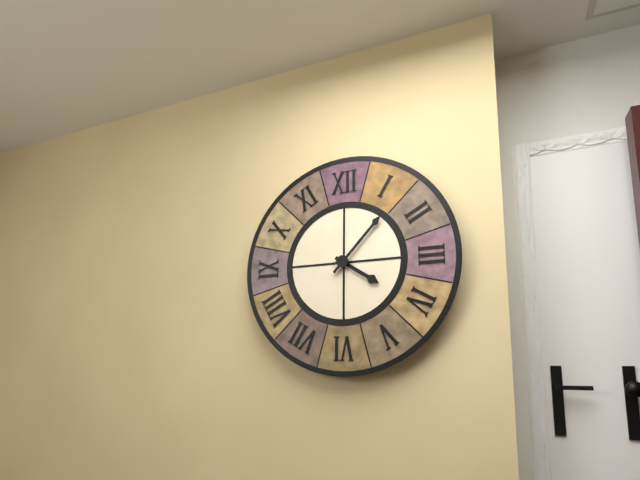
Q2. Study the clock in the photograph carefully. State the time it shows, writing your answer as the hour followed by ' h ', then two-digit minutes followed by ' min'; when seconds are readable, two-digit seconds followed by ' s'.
4 h 07 min
